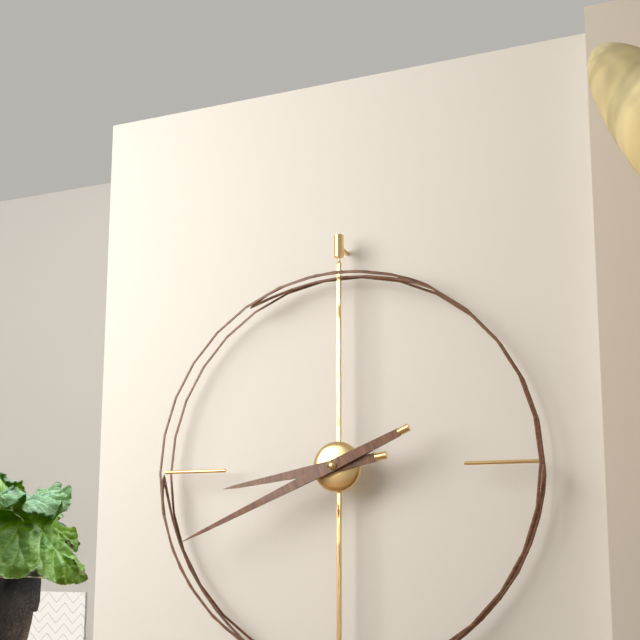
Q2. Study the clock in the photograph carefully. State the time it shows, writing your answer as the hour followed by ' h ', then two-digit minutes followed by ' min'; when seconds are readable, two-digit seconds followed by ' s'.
8 h 41 min
